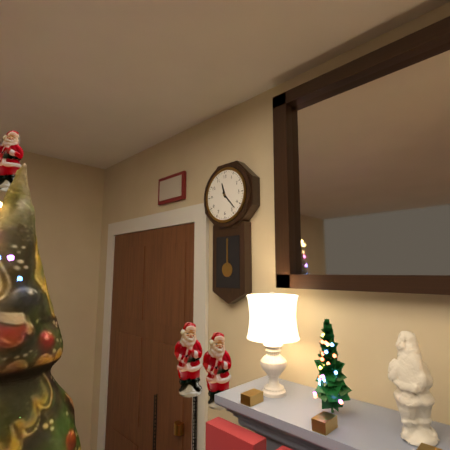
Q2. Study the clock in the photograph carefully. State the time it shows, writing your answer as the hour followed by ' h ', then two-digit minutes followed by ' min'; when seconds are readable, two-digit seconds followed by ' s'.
11 h 23 min
